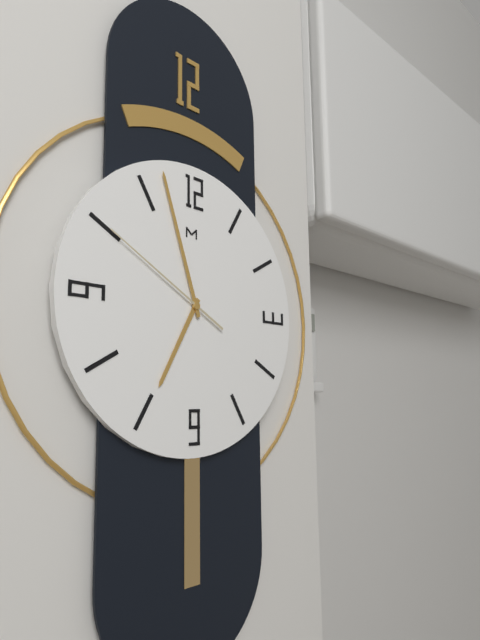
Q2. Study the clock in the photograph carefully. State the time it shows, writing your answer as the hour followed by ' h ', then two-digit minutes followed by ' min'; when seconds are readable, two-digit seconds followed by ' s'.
6 h 57 min 50 s
